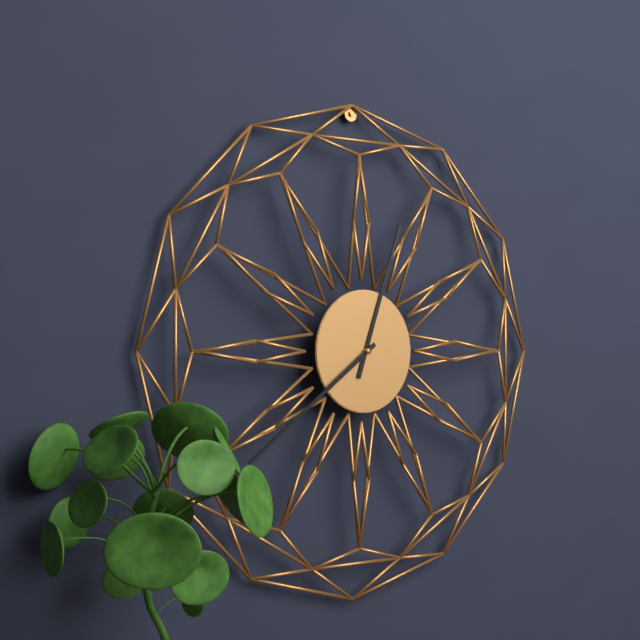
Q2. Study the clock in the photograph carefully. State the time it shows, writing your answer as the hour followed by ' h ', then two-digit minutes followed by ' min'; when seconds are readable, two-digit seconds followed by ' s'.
12 h 39 min
